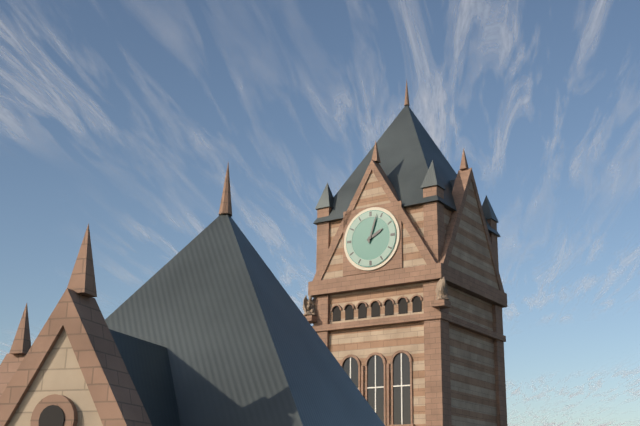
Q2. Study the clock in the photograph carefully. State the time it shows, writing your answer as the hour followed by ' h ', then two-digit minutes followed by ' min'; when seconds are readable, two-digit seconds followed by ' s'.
2 h 03 min
